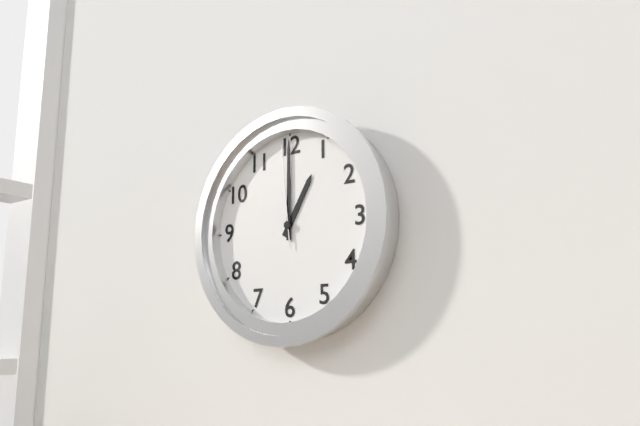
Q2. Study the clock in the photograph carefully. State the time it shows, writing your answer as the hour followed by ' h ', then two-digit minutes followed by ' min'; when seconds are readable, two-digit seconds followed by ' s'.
1 h 00 min 59 s
